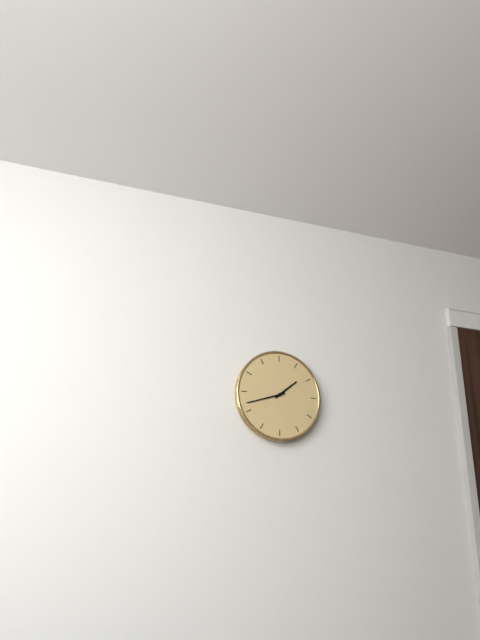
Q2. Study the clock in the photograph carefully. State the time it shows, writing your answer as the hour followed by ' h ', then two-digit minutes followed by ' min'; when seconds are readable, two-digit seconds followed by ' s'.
1 h 42 min
